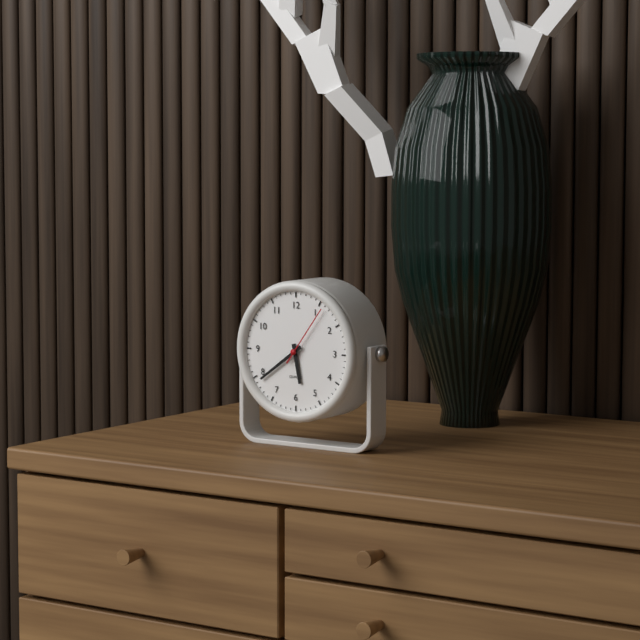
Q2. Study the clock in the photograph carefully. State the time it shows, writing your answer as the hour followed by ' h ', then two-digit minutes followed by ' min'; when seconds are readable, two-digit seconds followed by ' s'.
5 h 39 min 06 s
